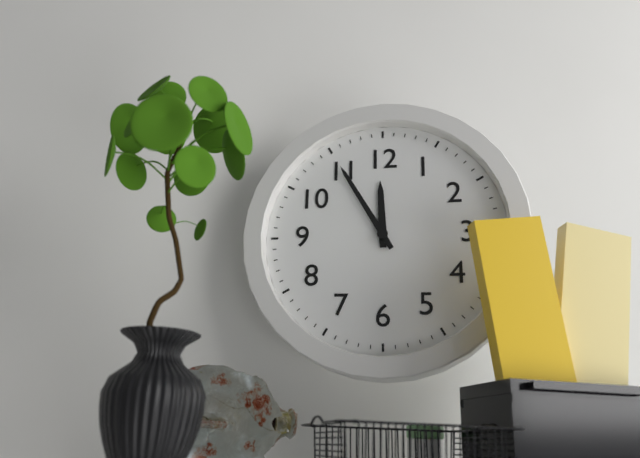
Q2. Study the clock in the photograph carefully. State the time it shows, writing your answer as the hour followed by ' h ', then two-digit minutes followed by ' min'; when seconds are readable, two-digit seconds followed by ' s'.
11 h 55 min
